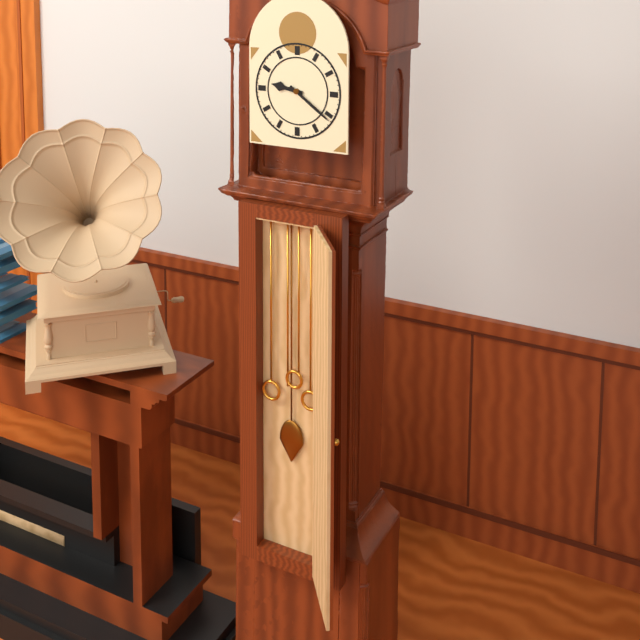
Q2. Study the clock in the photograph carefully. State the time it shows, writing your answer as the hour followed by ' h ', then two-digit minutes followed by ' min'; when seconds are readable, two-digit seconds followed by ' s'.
9 h 21 min
